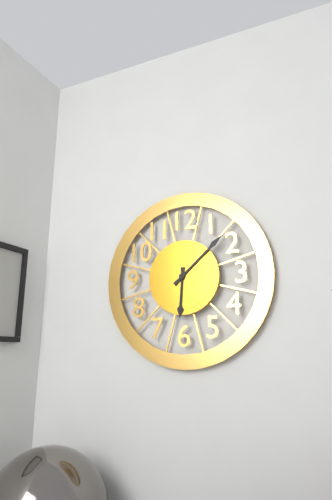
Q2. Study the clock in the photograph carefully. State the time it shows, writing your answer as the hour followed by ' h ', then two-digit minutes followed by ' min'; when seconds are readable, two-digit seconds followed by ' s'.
6 h 08 min
